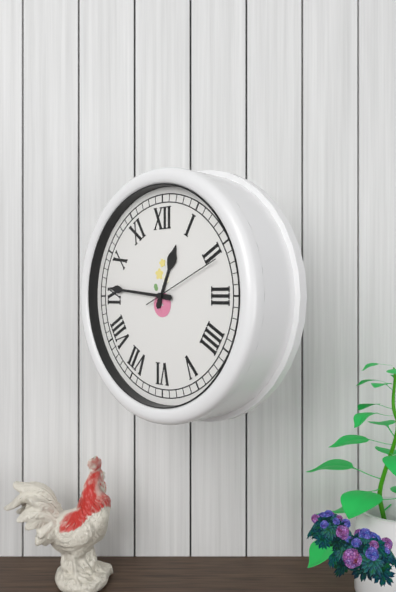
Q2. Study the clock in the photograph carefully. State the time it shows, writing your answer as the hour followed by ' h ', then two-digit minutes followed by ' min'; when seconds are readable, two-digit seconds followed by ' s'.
12 h 46 min 11 s
